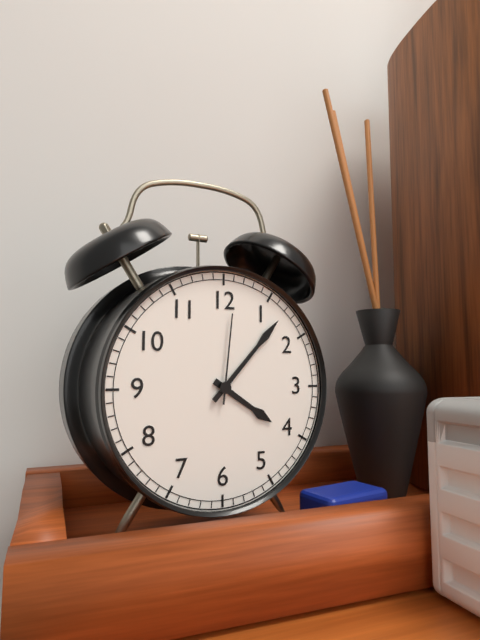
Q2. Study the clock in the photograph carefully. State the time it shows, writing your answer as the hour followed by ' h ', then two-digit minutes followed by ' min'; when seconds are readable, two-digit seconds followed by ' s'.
4 h 07 min 01 s
